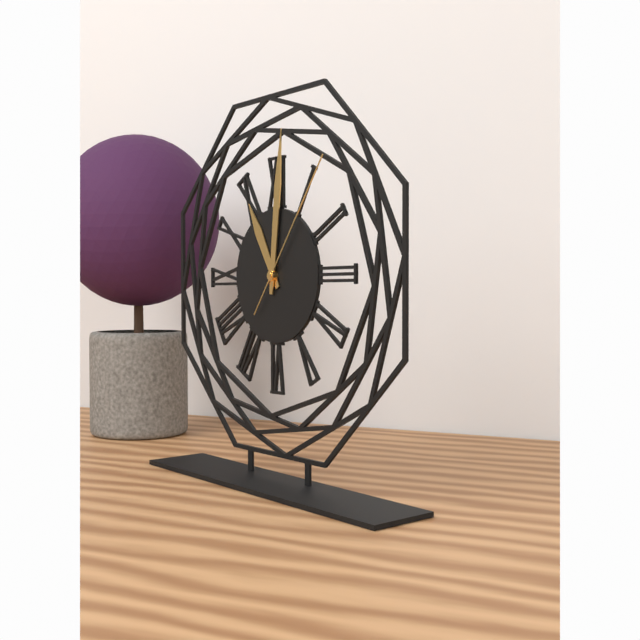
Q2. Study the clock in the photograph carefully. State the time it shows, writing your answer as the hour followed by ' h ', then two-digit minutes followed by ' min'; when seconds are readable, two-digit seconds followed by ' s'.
11 h 01 min 06 s
